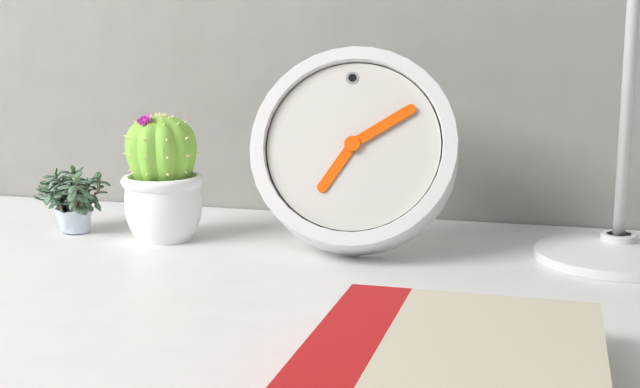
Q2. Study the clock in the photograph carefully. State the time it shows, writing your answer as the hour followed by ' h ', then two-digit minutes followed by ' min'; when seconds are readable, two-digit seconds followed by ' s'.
7 h 10 min
